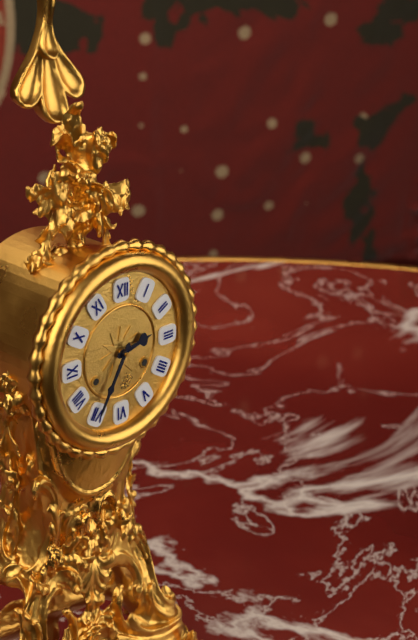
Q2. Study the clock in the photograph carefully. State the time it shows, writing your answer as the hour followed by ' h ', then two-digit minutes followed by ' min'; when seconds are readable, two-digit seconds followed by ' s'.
2 h 35 min
